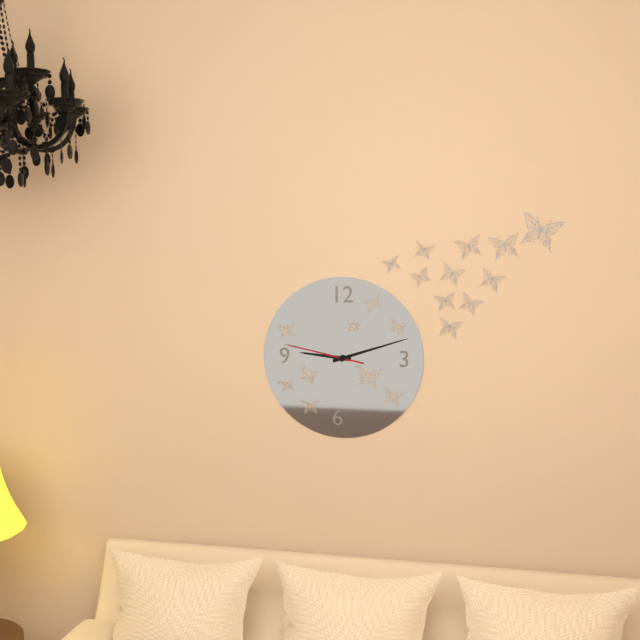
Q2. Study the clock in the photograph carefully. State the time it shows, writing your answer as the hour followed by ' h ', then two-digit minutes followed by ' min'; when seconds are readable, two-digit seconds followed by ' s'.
9 h 12 min 47 s
